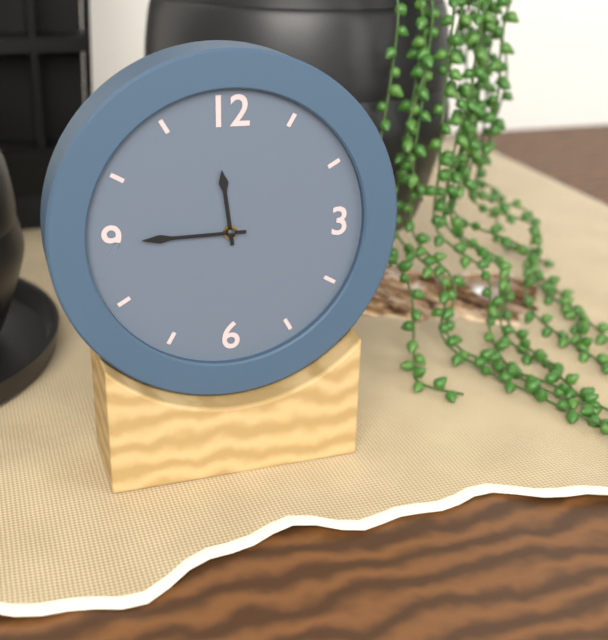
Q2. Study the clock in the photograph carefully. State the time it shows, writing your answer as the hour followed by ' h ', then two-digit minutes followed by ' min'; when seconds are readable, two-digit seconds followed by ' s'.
11 h 45 min
